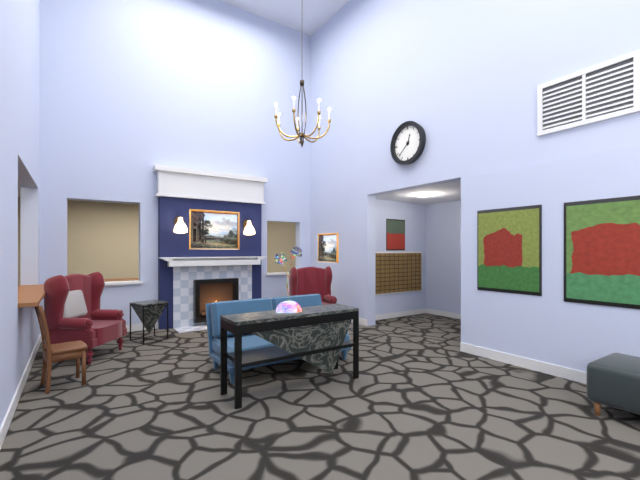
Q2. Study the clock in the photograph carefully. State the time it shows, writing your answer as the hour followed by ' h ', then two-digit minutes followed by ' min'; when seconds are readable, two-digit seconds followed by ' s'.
12 h 38 min
